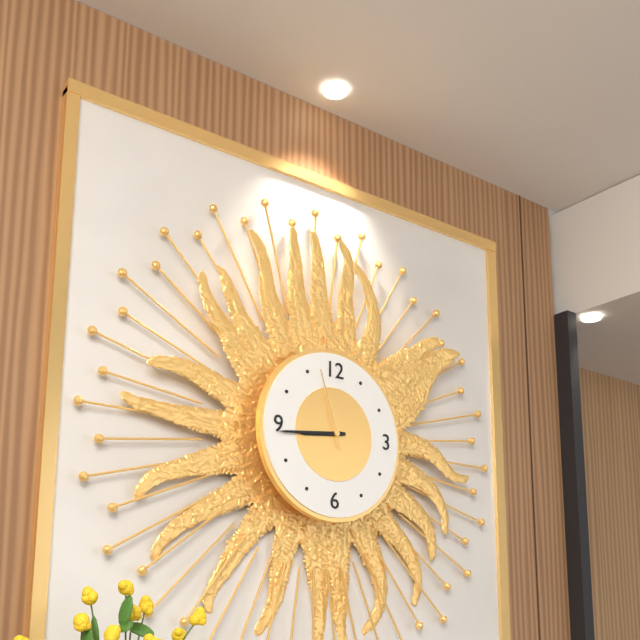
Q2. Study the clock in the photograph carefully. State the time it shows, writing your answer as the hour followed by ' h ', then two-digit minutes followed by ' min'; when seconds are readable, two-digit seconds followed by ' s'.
8 h 44 min 57 s
